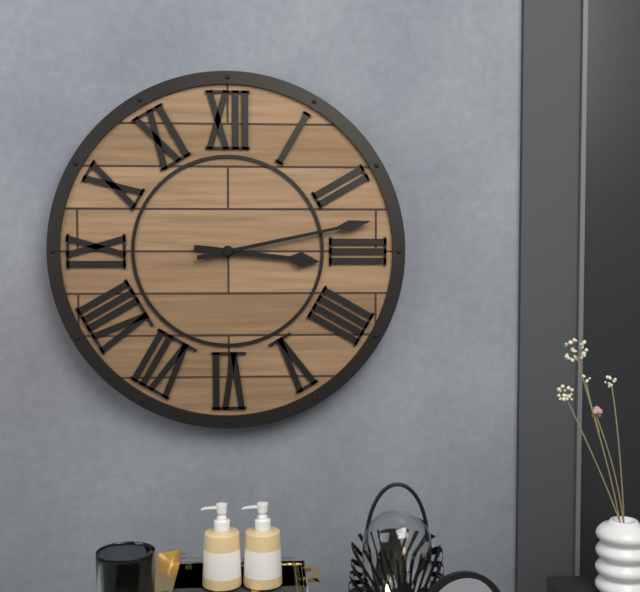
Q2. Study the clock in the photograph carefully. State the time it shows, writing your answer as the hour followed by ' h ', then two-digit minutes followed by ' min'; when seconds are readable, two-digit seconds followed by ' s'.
3 h 13 min
